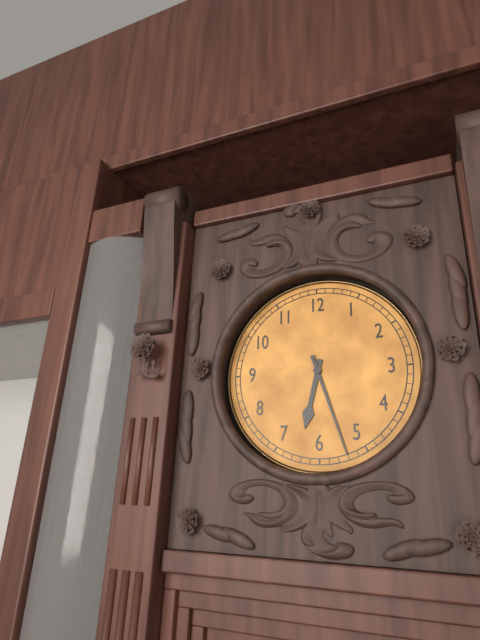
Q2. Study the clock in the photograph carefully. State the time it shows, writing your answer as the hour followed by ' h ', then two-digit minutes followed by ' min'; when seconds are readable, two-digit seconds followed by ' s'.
6 h 27 min
